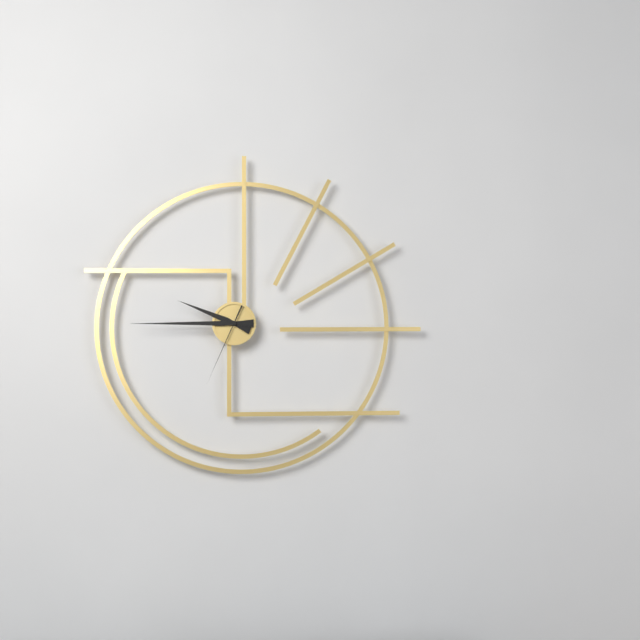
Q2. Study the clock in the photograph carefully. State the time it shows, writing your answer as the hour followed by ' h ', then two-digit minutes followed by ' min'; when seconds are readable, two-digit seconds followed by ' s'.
9 h 45 min 34 s
